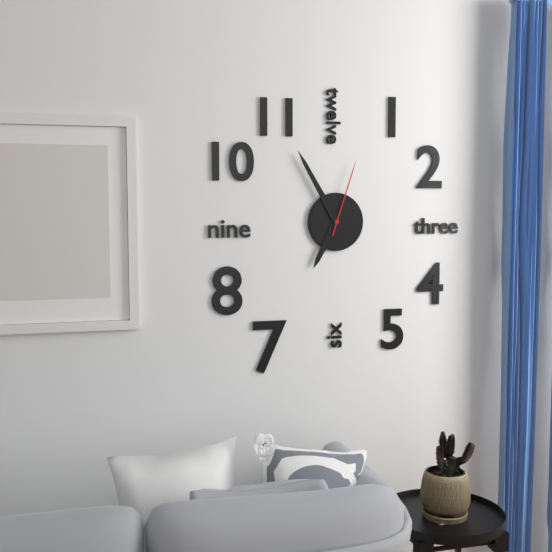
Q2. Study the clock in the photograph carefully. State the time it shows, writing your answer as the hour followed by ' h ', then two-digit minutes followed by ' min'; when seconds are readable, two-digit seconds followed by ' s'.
6 h 55 min 03 s
